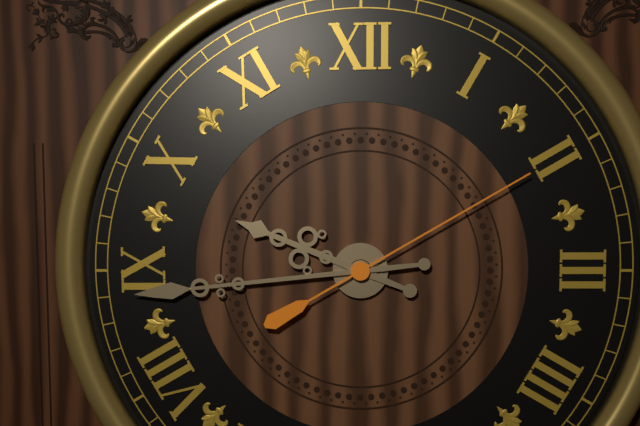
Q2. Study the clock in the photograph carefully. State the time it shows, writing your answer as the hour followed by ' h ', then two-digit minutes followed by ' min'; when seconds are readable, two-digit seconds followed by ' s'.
9 h 44 min 10 s
